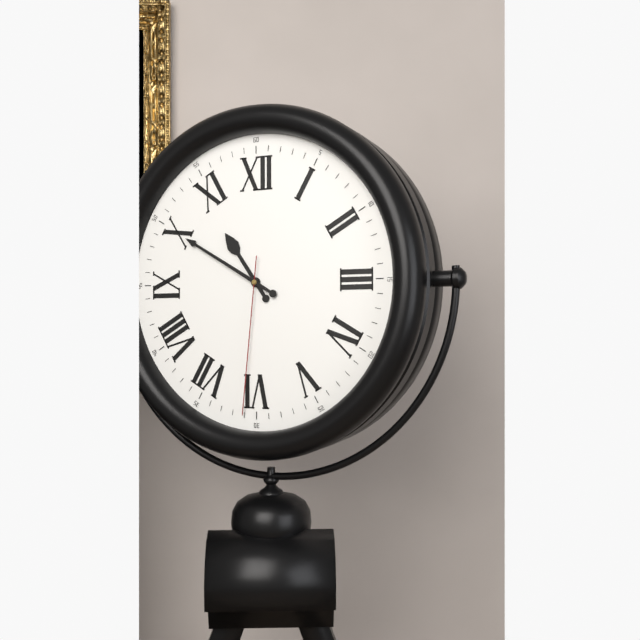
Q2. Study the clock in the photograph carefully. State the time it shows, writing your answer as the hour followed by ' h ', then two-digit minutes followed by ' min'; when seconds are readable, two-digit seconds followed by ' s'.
10 h 50 min 31 s
